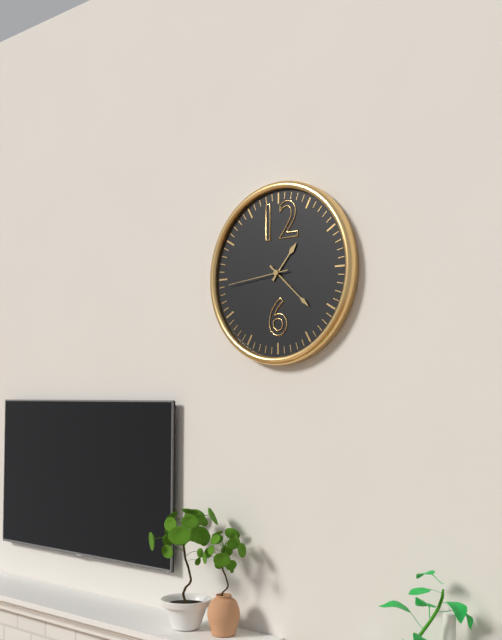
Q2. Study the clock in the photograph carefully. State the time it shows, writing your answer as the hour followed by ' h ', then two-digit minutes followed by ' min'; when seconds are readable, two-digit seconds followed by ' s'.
1 h 22 min 44 s
